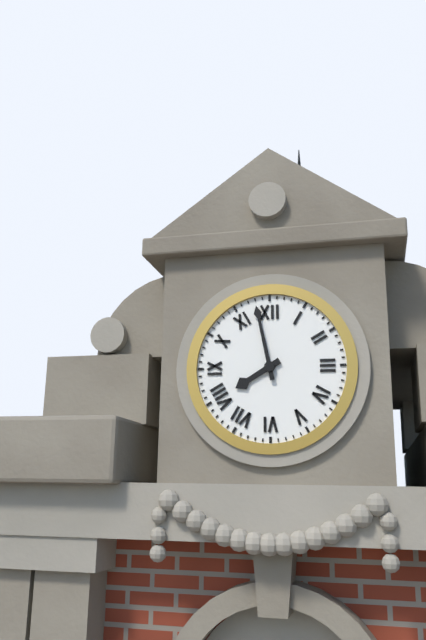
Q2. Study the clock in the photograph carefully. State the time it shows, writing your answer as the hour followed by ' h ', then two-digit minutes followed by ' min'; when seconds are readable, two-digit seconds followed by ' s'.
7 h 58 min
